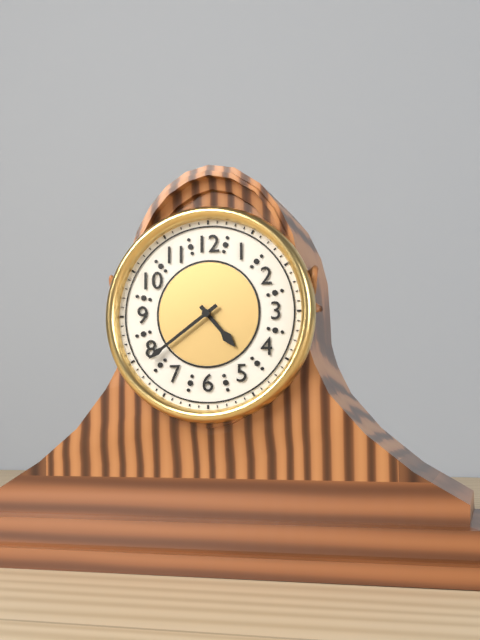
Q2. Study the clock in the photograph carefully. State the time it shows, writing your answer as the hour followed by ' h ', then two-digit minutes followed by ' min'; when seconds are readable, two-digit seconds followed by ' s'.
4 h 39 min
